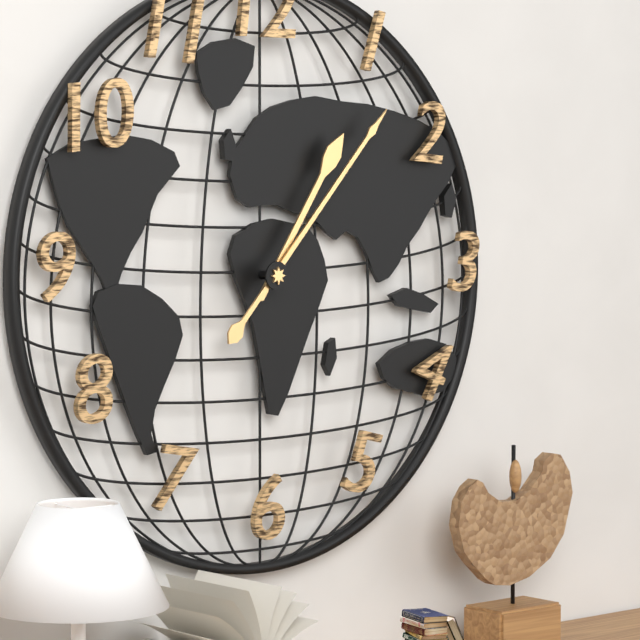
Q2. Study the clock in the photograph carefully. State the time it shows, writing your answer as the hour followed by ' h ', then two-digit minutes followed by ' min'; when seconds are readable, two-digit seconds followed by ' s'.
1 h 07 min
